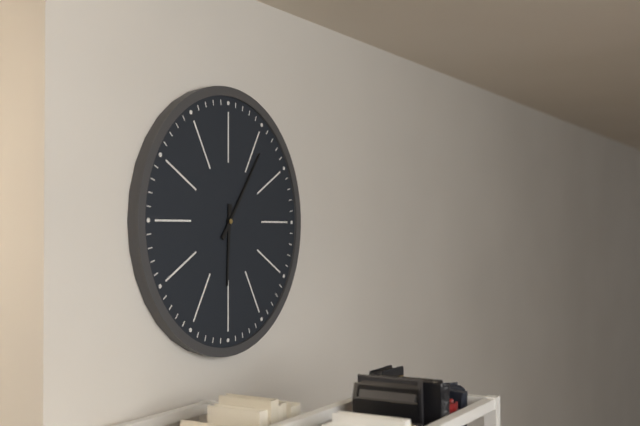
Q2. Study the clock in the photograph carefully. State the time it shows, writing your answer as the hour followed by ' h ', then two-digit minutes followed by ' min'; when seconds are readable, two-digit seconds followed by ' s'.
6 h 06 min
